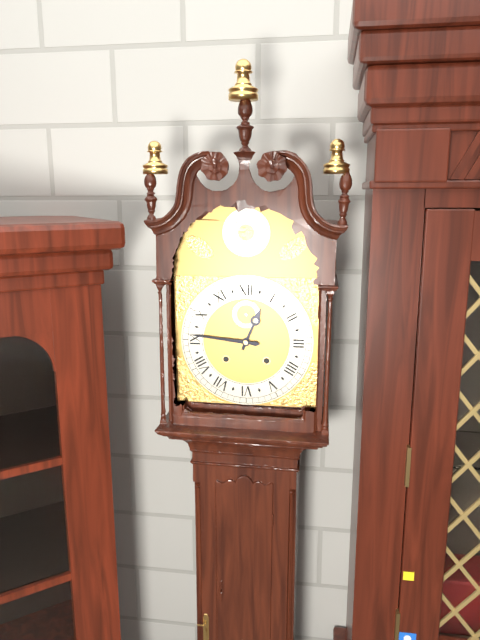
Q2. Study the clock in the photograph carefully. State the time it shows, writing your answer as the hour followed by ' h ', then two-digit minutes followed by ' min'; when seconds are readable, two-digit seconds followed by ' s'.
12 h 46 min
